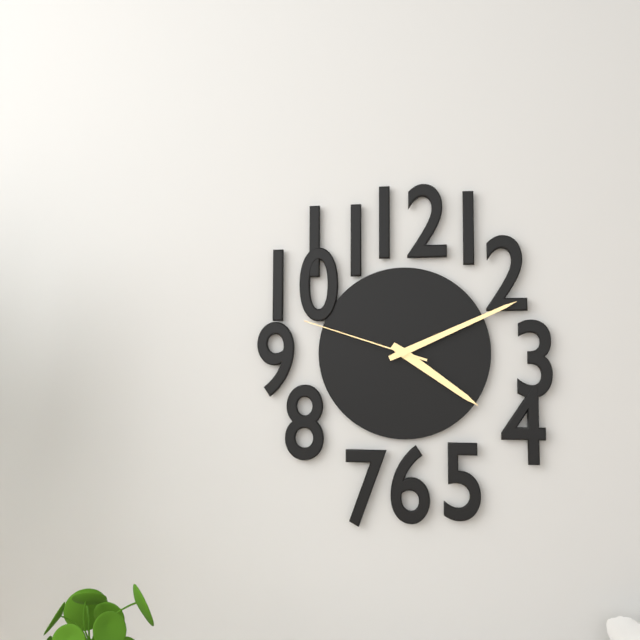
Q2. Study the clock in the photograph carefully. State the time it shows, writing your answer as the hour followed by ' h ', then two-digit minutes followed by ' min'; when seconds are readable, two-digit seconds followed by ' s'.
4 h 11 min 48 s
